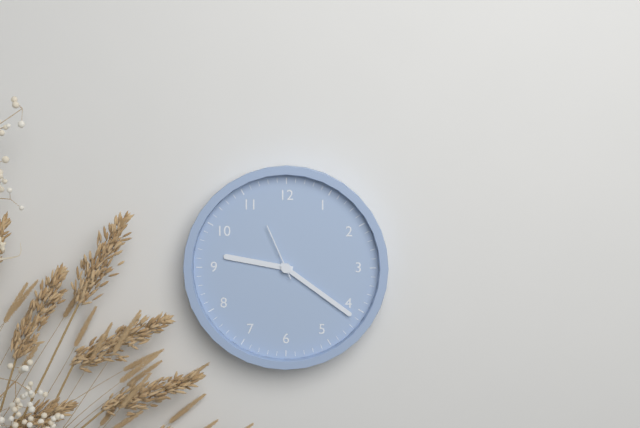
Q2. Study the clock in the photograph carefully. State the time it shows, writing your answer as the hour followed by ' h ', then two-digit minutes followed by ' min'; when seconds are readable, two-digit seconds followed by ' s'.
9 h 21 min 56 s
